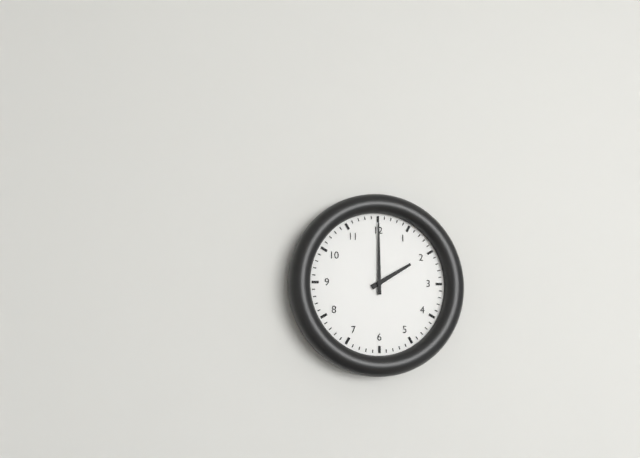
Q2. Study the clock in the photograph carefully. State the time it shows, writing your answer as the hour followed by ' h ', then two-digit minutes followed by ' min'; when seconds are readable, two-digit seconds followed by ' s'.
2 h 00 min
